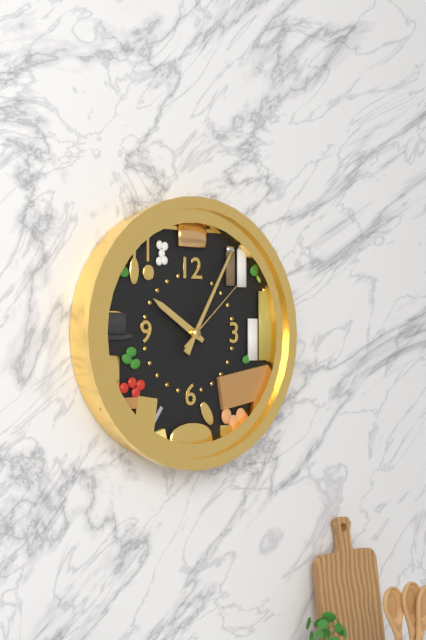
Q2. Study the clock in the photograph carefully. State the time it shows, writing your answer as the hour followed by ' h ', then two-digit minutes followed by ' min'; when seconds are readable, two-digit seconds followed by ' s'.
10 h 05 min 08 s
